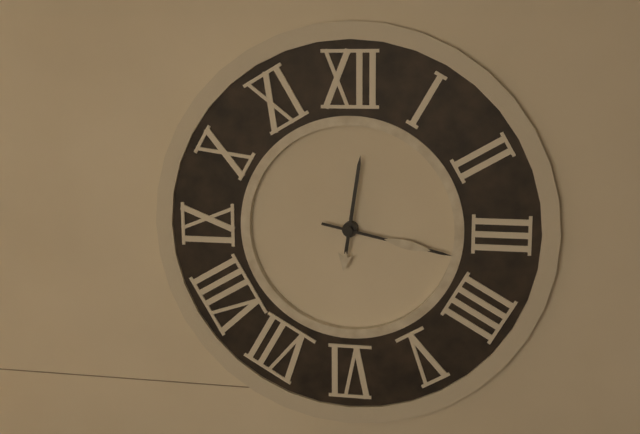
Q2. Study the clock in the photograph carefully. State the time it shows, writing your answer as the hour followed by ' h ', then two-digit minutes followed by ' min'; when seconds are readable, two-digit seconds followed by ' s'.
12 h 17 min
